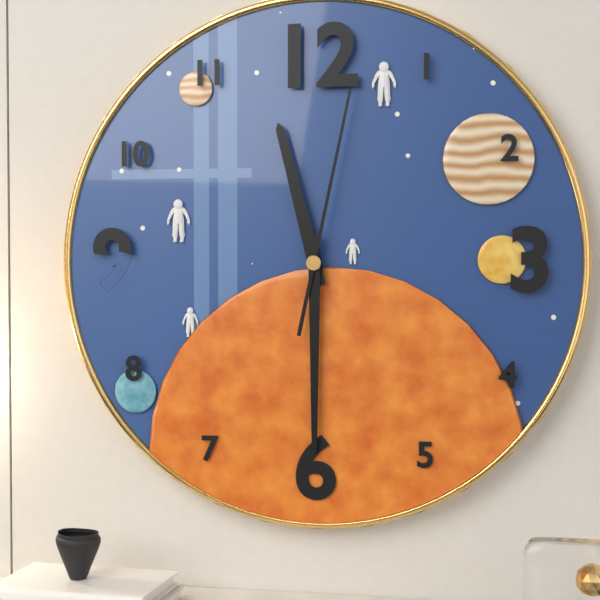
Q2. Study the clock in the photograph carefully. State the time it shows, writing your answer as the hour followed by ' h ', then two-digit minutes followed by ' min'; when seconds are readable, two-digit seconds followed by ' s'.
11 h 30 min 02 s
